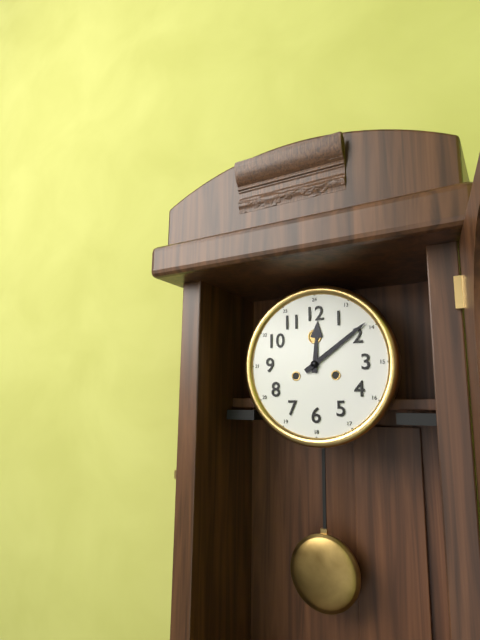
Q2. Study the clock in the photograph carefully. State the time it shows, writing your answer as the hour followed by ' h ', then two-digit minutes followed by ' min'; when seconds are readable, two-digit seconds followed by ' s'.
12 h 09 min
